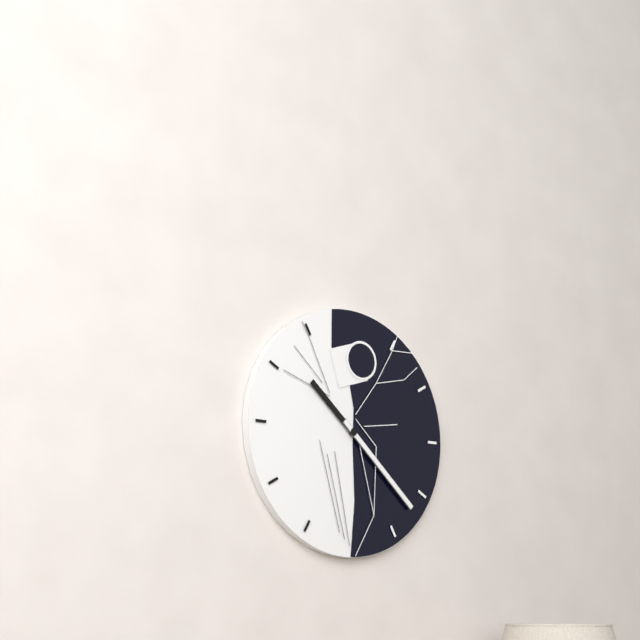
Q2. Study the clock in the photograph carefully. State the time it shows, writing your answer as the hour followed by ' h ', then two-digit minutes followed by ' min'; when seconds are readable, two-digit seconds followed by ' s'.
10 h 22 min
